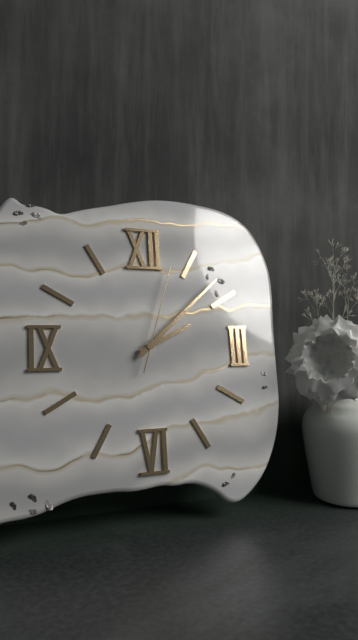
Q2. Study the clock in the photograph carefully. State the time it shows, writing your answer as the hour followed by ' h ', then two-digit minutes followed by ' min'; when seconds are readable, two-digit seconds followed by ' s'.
2 h 08 min 03 s
